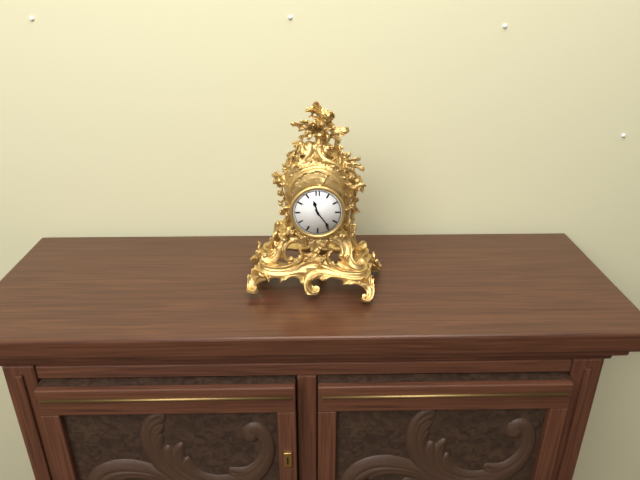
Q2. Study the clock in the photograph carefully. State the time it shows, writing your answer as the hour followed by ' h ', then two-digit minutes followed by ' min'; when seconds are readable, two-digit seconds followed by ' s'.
11 h 24 min
